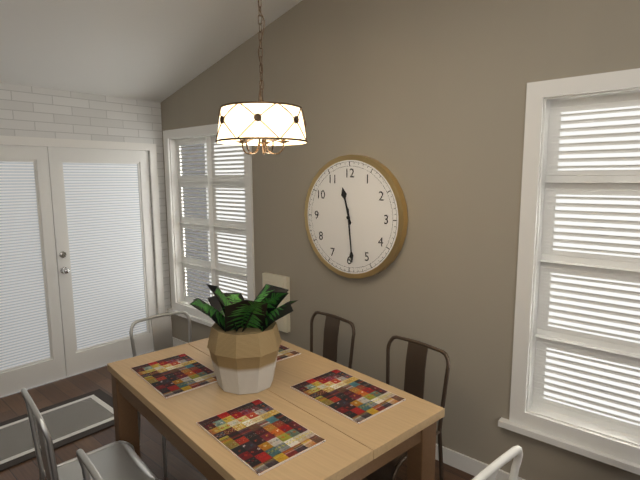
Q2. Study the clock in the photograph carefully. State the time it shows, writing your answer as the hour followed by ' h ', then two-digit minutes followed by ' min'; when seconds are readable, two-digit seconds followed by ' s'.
11 h 29 min
